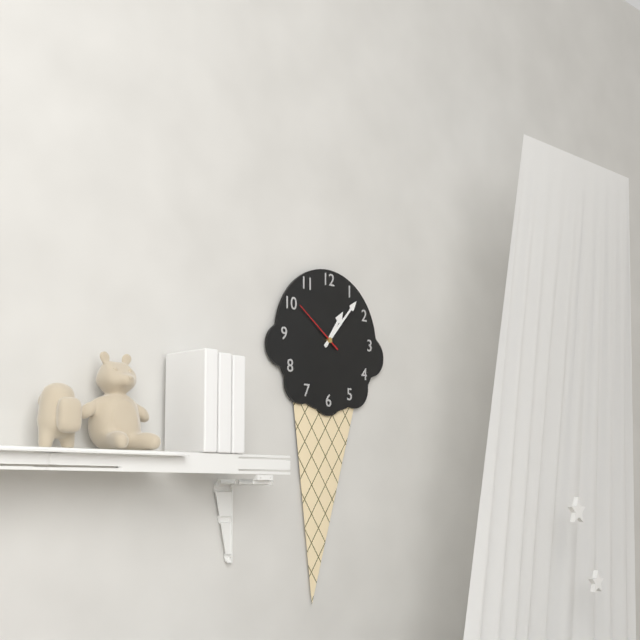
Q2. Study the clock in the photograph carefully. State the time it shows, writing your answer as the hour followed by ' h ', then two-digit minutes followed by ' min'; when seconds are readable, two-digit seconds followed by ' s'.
1 h 07 min 51 s
